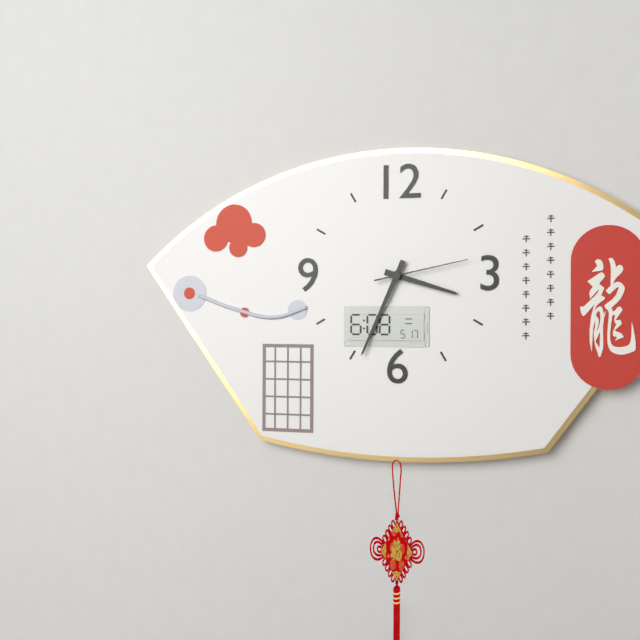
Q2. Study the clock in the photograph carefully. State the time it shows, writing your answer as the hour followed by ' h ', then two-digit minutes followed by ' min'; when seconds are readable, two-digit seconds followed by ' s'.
3 h 34 min 13 s
